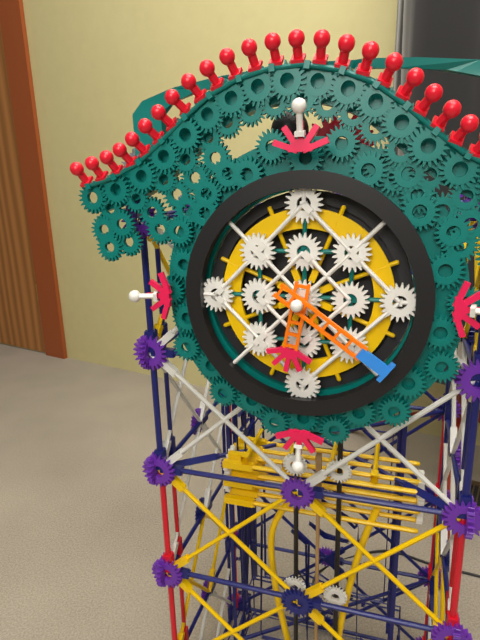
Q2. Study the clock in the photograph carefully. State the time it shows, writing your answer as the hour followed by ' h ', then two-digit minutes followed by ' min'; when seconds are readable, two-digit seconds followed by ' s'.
6 h 21 min
